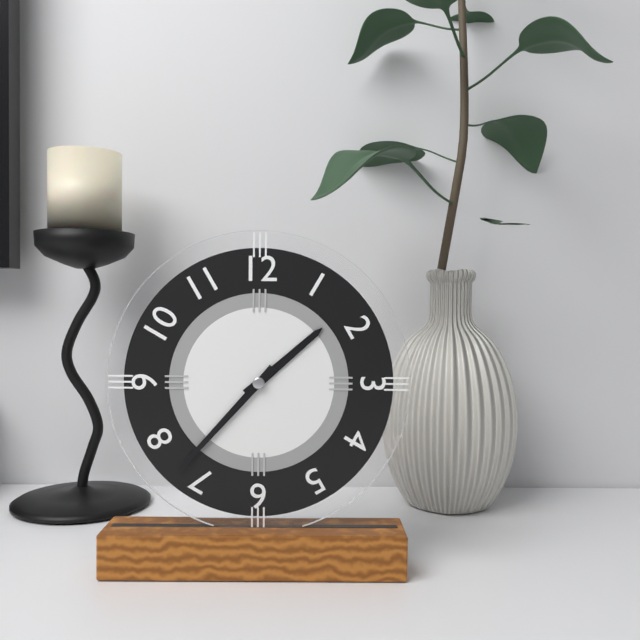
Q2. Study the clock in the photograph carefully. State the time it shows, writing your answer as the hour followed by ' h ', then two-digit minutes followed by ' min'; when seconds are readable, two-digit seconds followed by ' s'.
1 h 37 min
